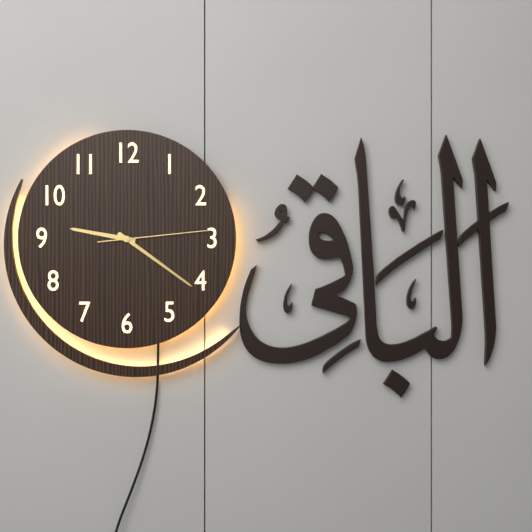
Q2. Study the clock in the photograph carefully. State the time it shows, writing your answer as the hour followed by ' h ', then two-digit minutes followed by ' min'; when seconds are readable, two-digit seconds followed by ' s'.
9 h 21 min 14 s
